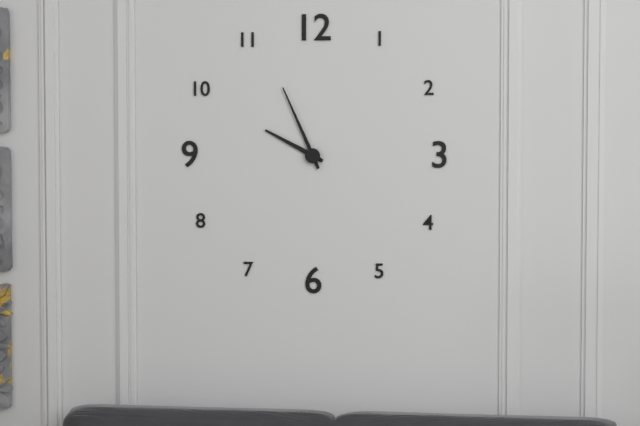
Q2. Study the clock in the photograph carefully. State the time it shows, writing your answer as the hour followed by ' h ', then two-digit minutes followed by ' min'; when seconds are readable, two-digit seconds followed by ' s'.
9 h 56 min
